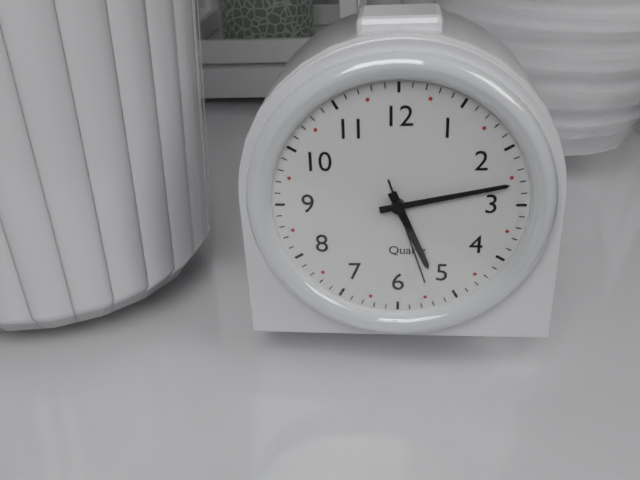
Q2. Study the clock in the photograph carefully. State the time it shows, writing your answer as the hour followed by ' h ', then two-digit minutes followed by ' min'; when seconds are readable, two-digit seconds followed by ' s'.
5 h 13 min 27 s
